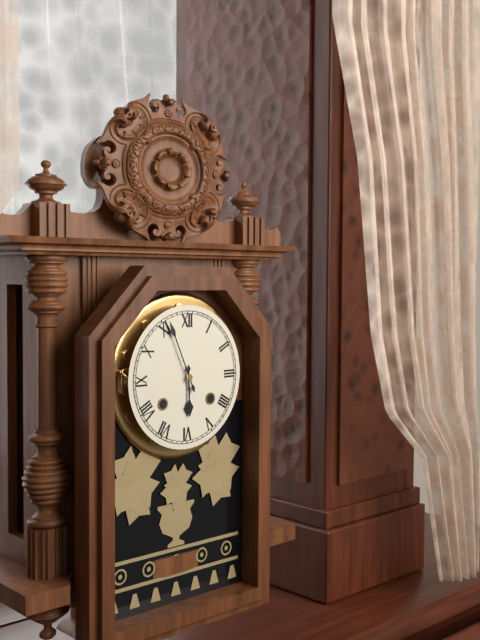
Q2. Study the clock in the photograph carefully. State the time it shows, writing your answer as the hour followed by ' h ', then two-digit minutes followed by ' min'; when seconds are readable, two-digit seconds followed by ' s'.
5 h 56 min
